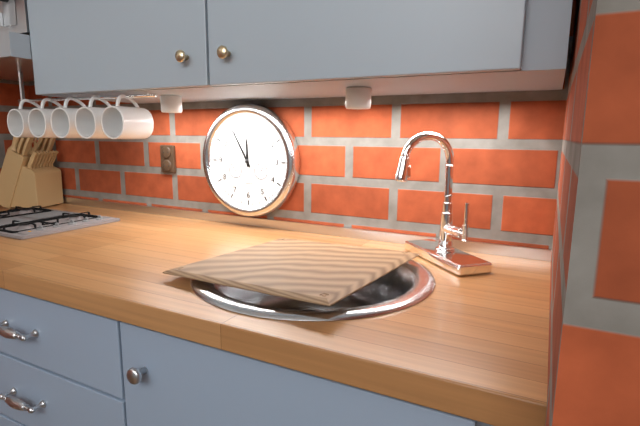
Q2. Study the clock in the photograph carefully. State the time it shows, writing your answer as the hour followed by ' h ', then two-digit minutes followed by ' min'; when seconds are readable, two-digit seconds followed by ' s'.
11 h 55 min
